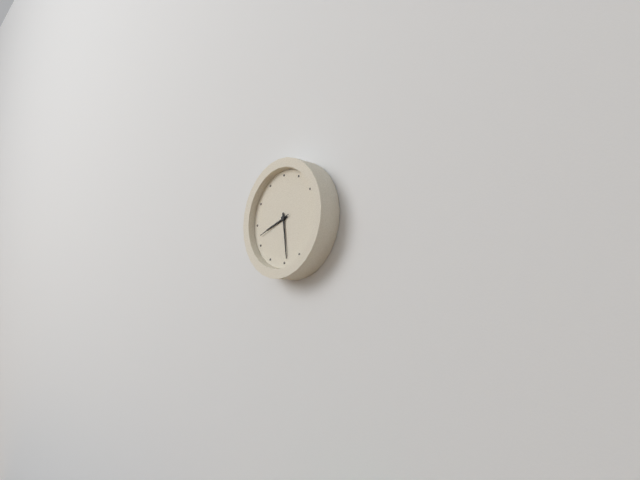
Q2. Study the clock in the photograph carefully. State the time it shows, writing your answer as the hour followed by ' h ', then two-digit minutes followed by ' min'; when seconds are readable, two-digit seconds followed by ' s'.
8 h 29 min
